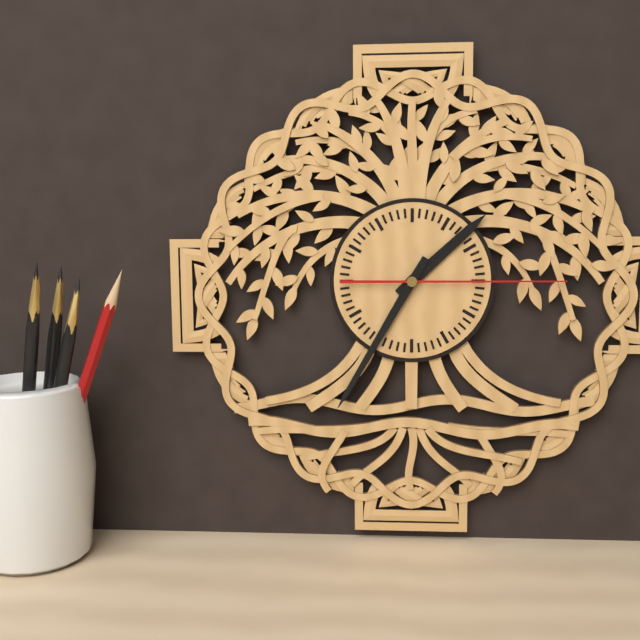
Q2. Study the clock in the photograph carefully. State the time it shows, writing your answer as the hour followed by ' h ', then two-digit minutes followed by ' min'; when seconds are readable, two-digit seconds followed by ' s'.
1 h 35 min 15 s
